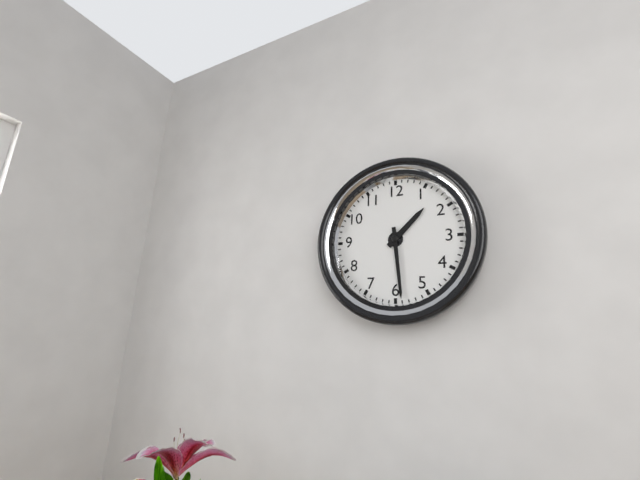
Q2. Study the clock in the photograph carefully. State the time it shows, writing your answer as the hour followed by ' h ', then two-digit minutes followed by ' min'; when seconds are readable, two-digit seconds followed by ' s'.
1 h 29 min
